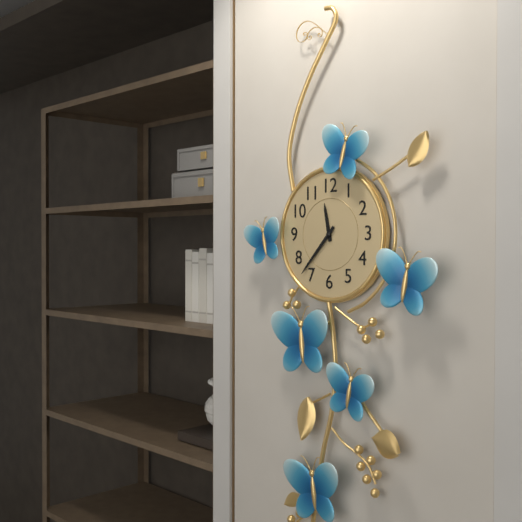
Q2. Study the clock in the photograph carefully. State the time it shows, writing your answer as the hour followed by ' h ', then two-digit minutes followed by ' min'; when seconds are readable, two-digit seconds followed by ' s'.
11 h 37 min
